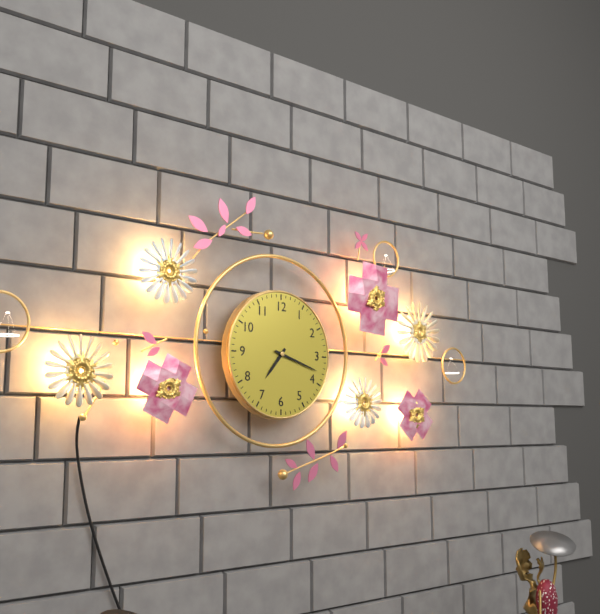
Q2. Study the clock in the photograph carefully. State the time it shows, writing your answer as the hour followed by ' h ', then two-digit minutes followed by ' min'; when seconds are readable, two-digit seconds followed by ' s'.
7 h 18 min
